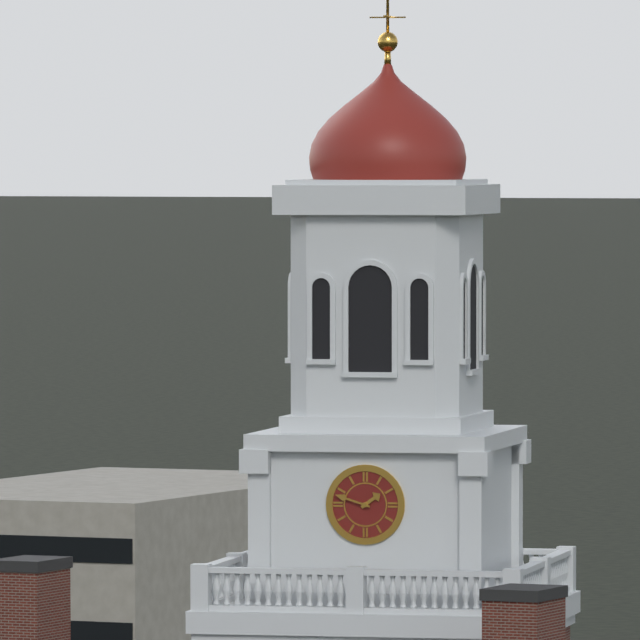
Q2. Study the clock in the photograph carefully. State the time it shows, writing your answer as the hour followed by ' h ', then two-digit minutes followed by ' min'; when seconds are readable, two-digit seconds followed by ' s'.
1 h 48 min
